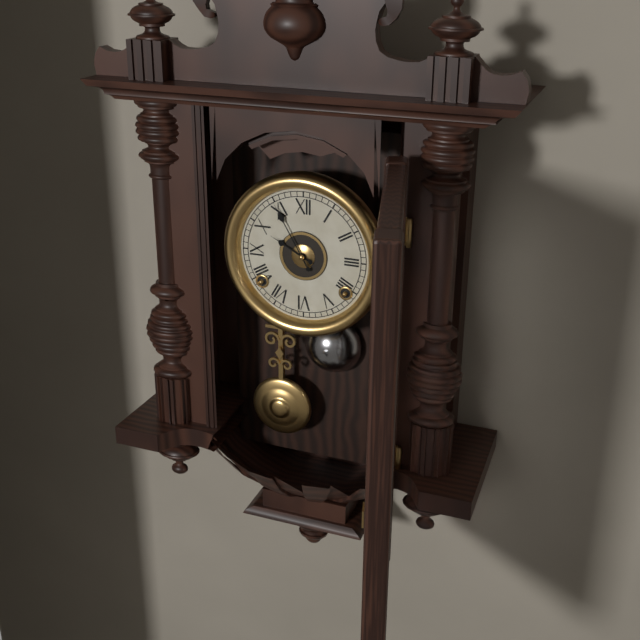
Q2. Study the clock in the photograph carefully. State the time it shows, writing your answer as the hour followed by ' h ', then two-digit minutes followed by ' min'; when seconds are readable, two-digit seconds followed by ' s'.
9 h 55 min
